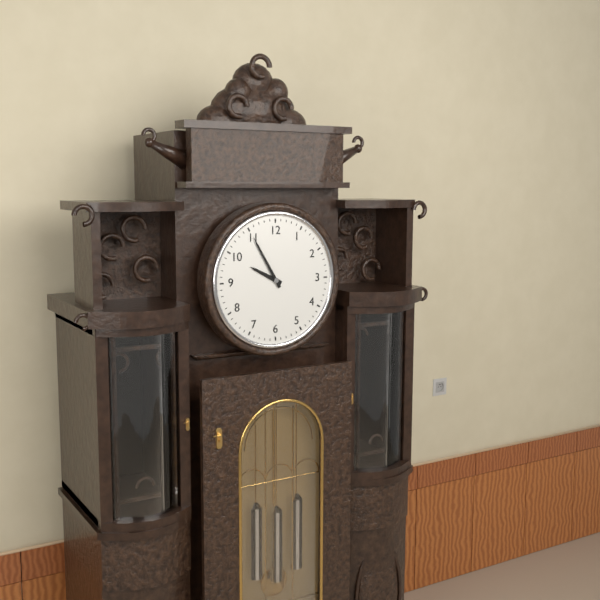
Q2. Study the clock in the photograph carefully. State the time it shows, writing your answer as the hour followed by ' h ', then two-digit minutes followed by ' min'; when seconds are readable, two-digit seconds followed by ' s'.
9 h 55 min
